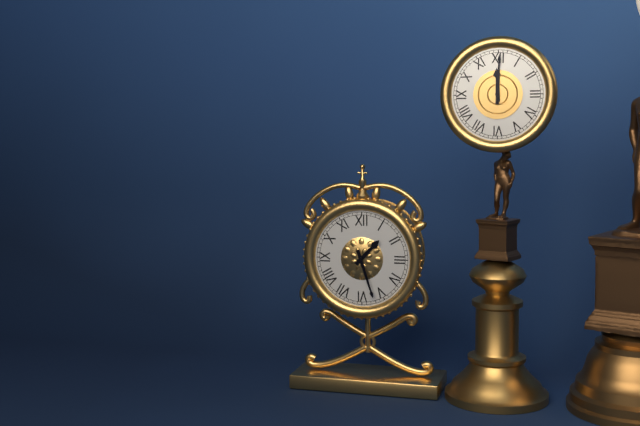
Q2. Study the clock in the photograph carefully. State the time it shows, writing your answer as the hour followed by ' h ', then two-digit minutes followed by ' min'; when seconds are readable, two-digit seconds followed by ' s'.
1 h 27 min
